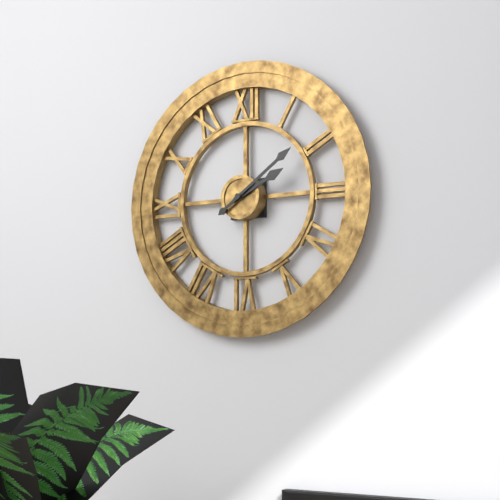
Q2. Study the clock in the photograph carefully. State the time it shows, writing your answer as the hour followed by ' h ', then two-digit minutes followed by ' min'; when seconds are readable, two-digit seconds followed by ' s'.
2 h 09 min
